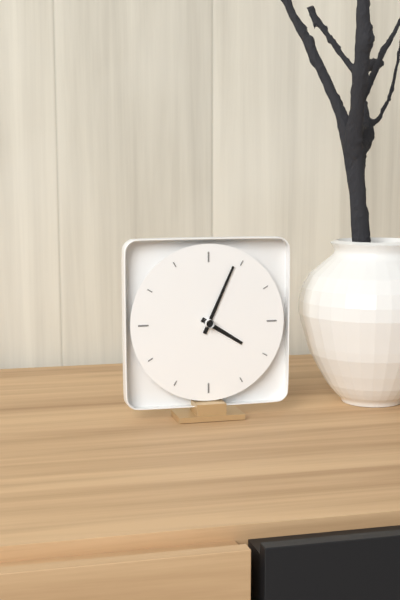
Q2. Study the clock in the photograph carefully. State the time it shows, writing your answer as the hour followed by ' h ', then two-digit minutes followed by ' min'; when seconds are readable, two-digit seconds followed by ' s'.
4 h 04 min
